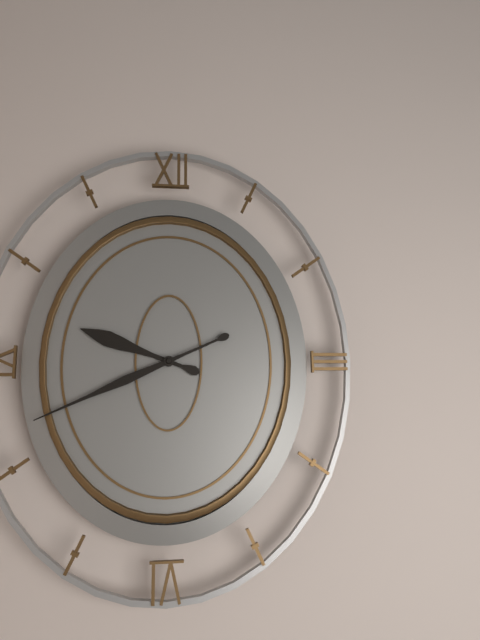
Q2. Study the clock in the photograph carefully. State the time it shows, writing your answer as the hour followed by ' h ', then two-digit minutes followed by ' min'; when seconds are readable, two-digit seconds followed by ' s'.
9 h 41 min
